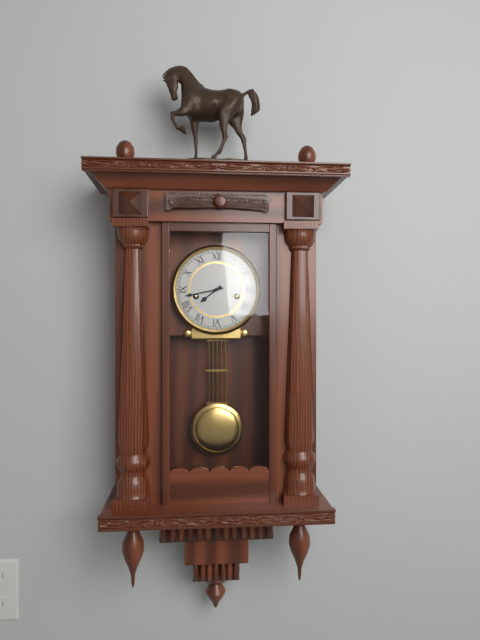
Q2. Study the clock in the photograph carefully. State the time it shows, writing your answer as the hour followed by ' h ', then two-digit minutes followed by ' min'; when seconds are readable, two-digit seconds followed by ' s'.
7 h 43 min
